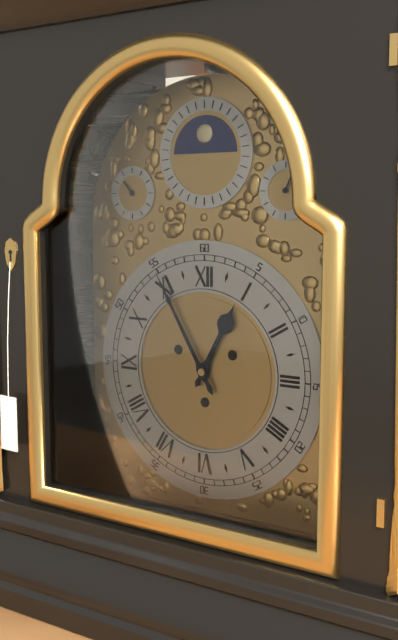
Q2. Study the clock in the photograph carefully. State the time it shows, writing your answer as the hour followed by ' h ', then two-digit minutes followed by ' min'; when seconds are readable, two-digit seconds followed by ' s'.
12 h 55 min
